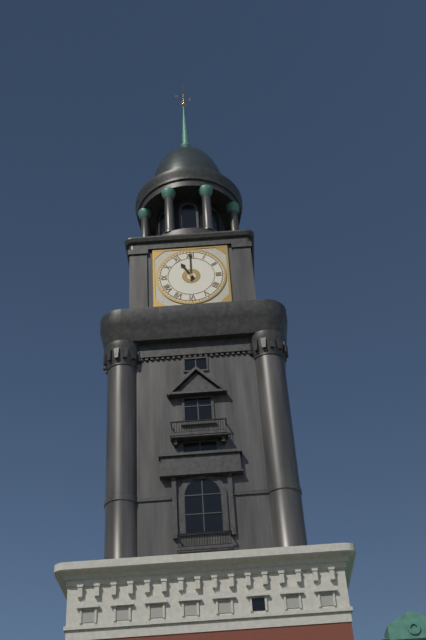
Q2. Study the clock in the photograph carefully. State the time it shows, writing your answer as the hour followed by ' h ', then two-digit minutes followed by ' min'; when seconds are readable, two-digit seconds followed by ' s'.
11 h 00 min
